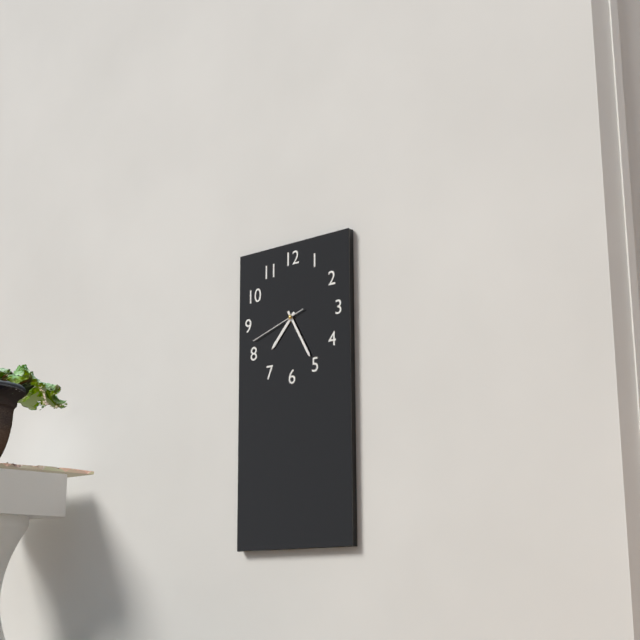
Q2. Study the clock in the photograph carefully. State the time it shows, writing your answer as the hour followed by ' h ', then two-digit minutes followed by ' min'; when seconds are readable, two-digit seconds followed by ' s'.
7 h 25 min 42 s
